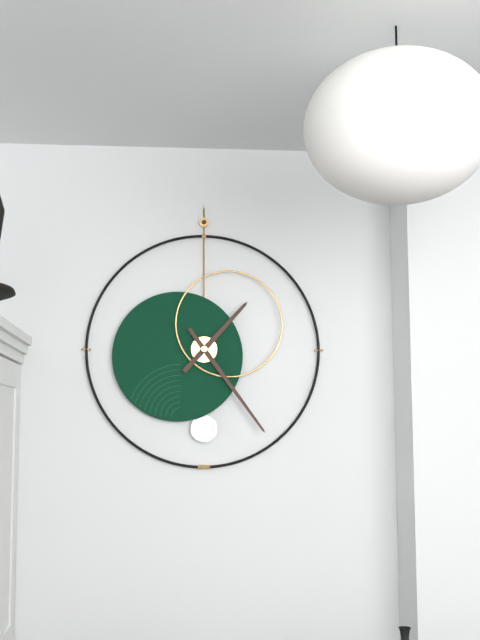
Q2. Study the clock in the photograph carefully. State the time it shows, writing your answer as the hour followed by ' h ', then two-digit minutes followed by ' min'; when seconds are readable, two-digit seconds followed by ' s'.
1 h 24 min
